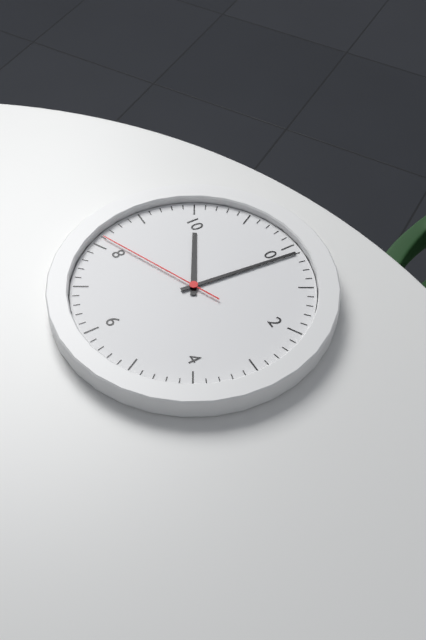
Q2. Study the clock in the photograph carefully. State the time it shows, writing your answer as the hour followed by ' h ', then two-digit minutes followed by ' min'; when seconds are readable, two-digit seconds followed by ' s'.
10 h 01 min 41 s
